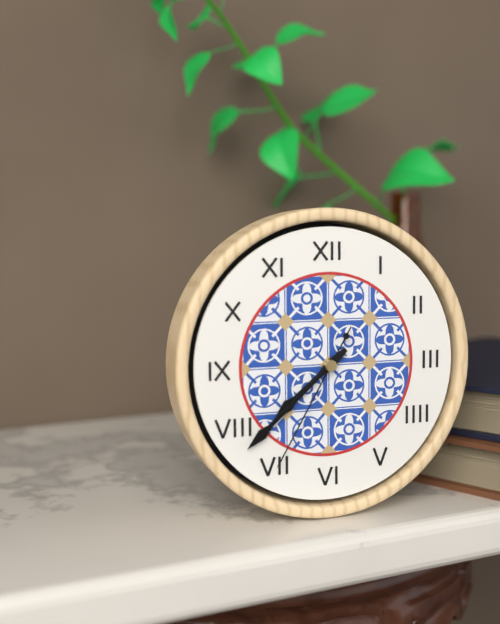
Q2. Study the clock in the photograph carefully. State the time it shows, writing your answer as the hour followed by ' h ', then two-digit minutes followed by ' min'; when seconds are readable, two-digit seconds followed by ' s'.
7 h 38 min 35 s
